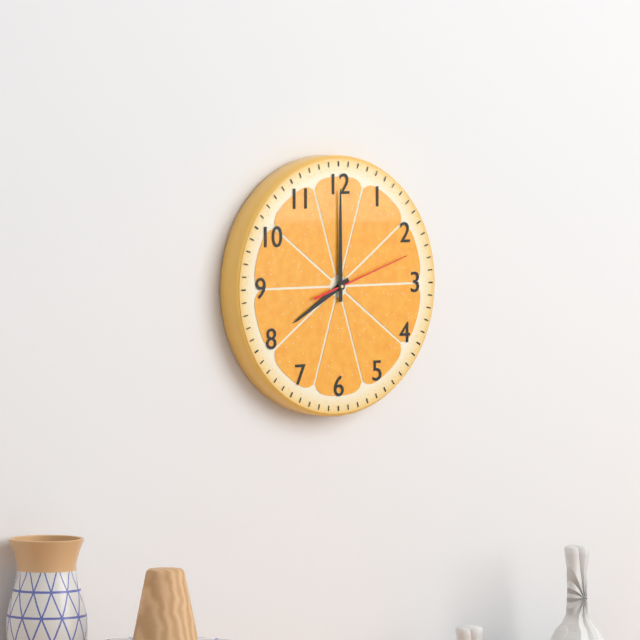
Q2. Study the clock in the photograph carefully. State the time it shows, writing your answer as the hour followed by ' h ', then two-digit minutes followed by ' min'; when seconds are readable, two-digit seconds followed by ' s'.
8 h 00 min 12 s
